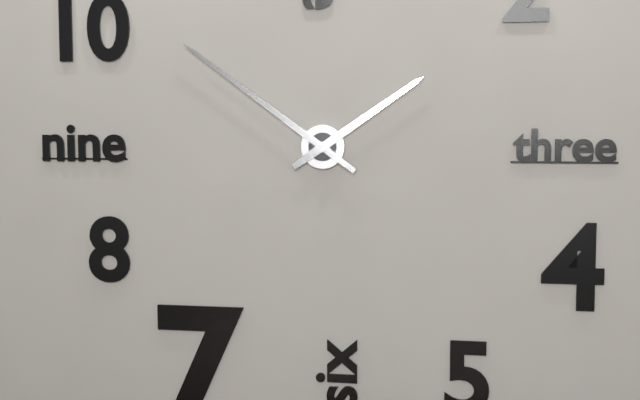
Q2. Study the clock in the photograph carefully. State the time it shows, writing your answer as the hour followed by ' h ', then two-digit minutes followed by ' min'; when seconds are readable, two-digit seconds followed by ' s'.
1 h 51 min
